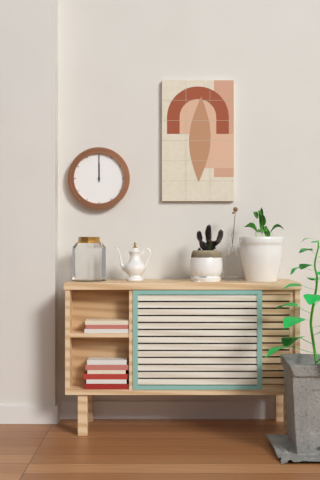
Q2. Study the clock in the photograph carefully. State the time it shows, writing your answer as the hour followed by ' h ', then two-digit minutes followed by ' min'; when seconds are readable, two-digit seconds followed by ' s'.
12 h 00 min
